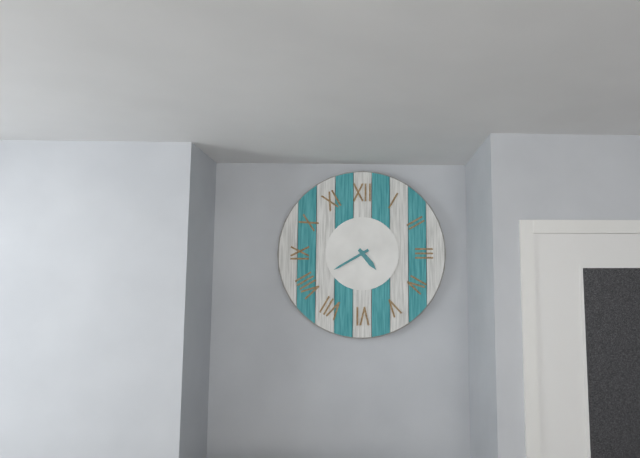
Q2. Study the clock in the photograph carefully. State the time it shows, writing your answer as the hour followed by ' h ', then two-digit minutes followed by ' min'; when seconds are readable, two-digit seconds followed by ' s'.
4 h 40 min
